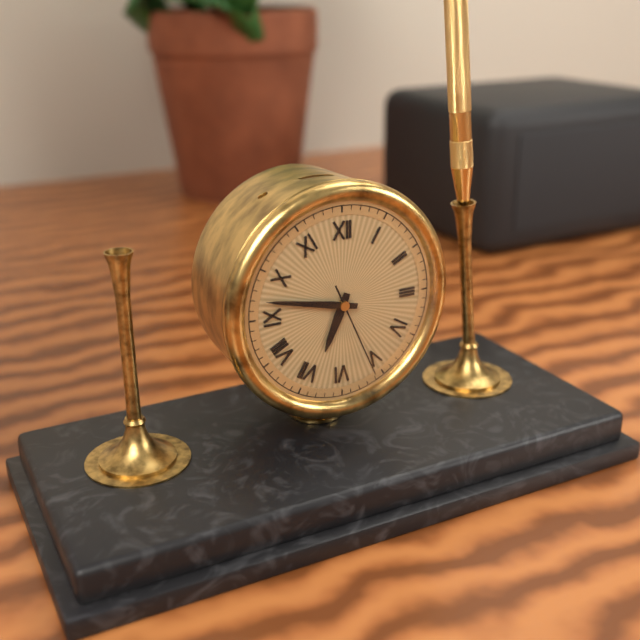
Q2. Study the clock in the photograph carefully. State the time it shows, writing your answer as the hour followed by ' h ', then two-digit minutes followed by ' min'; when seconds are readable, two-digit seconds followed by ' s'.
6 h 47 min 26 s
